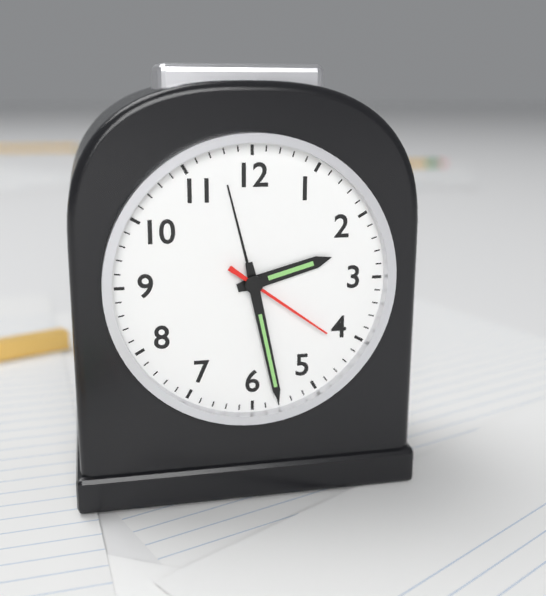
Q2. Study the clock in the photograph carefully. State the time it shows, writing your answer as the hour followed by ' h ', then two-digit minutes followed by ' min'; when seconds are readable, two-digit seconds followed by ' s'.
2 h 28 min 21 s
